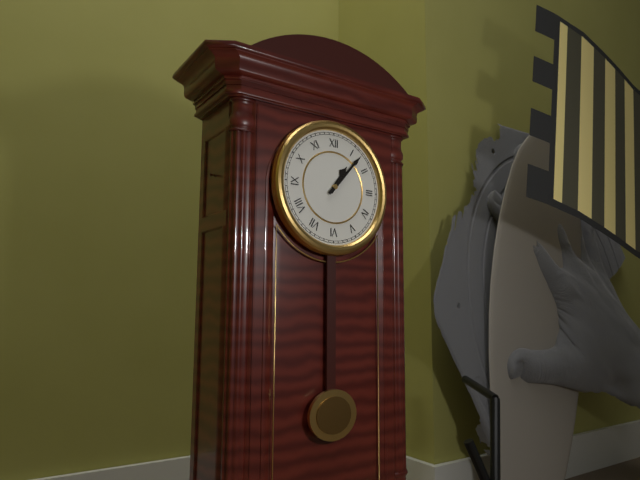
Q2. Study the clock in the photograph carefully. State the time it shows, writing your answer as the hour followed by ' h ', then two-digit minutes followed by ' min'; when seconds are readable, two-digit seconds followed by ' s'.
1 h 07 min
